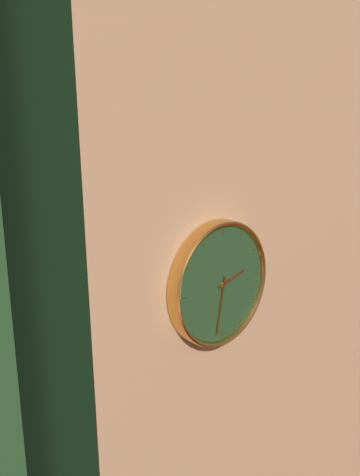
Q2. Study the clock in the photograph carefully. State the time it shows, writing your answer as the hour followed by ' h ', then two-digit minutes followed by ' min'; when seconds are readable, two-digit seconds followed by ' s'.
2 h 32 min
